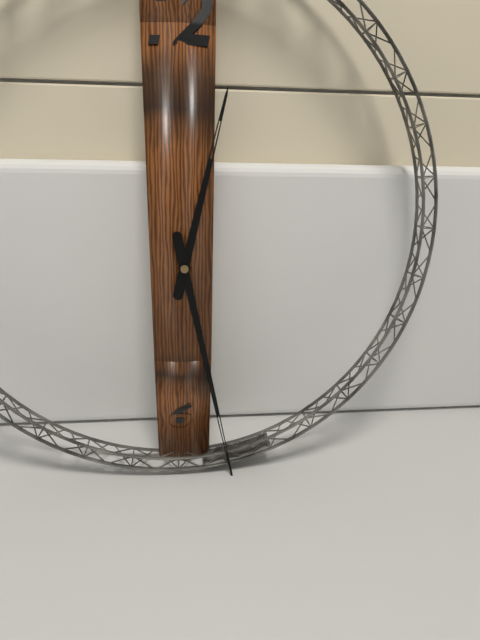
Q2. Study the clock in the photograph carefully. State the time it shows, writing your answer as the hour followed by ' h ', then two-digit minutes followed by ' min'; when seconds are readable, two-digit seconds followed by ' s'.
12 h 28 min
